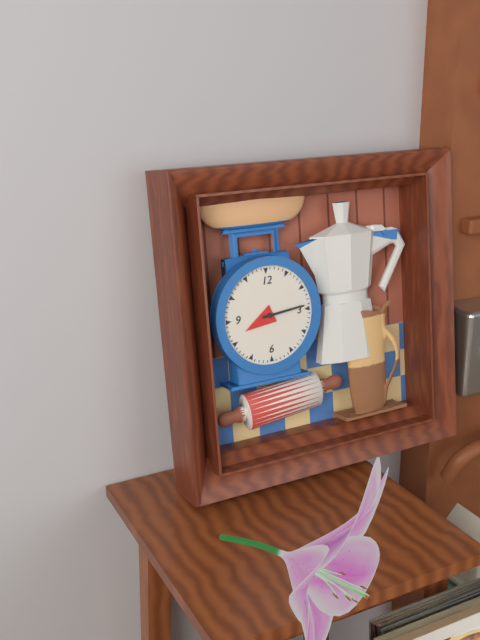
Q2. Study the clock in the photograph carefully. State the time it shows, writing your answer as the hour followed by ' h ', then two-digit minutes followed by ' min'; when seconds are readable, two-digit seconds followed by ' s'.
8 h 14 min
